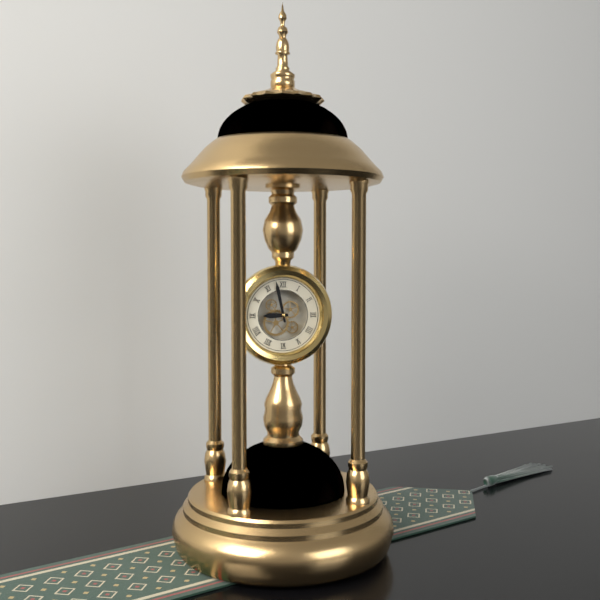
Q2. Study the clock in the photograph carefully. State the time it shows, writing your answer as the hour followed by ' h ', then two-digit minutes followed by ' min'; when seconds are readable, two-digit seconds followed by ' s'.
8 h 58 min
